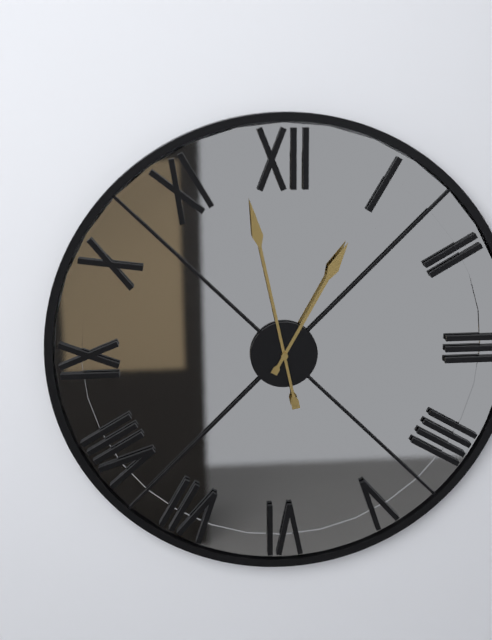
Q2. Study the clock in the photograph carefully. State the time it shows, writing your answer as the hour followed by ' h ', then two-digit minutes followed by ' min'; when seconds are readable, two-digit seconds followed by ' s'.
12 h 58 min
